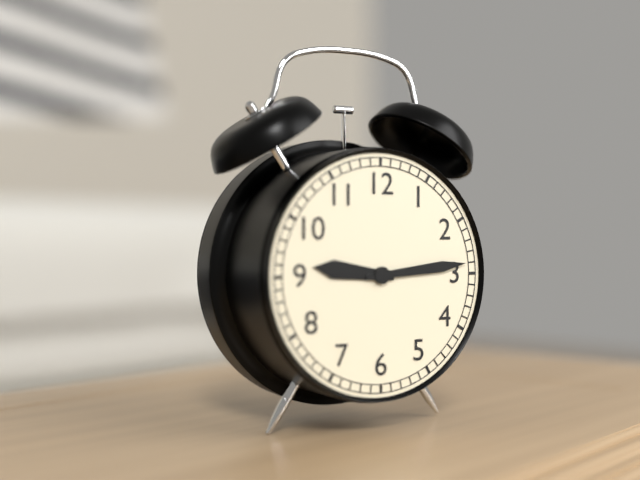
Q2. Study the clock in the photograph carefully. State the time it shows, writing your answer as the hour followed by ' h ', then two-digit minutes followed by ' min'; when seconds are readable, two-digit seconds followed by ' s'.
9 h 14 min
